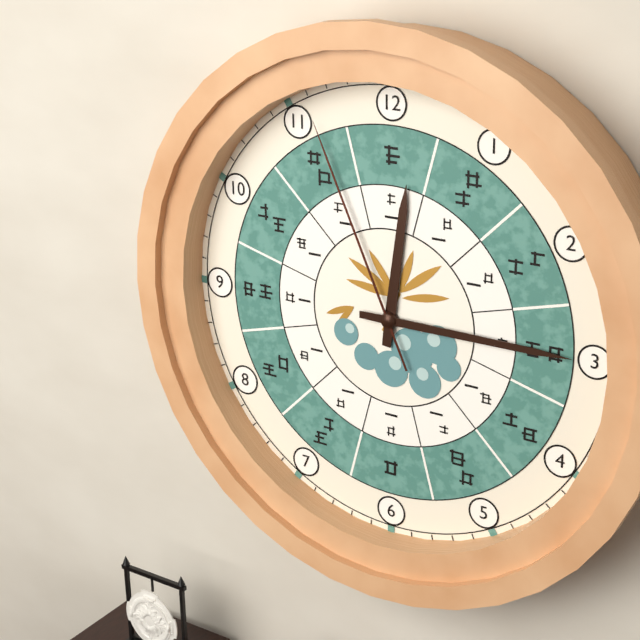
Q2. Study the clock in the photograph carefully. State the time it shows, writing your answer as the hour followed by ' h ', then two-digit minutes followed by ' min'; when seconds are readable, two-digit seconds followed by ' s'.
12 h 15 min 56 s
